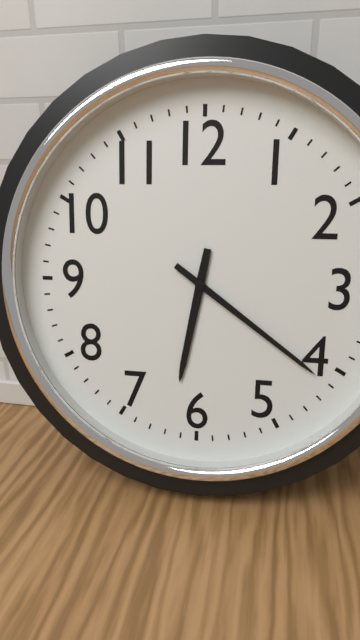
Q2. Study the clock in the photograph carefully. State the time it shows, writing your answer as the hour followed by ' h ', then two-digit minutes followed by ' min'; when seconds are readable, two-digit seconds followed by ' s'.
6 h 21 min
